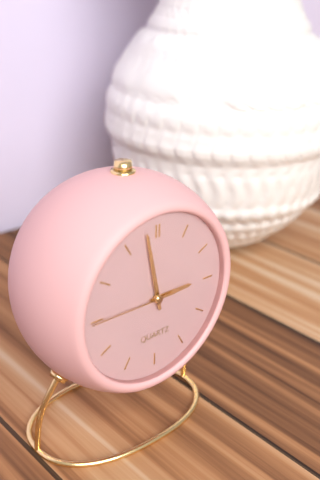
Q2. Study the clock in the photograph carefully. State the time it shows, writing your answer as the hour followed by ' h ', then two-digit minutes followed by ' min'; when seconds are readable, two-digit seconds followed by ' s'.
2 h 58 min 45 s
